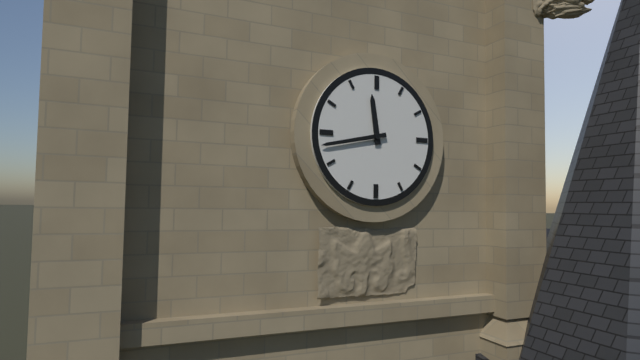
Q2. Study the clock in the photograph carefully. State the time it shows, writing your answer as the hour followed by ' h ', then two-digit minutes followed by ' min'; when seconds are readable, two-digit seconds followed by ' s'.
11 h 43 min
